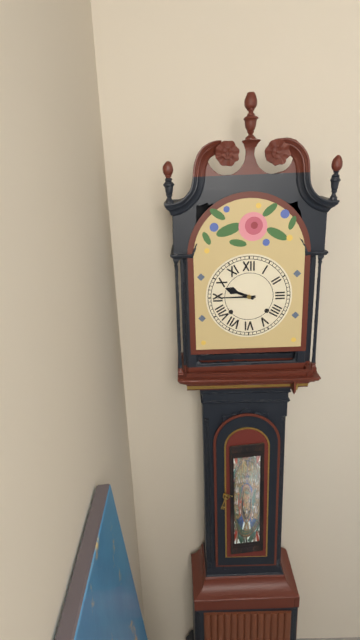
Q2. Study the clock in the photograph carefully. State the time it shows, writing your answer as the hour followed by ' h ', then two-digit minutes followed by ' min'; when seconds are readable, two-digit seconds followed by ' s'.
9 h 45 min
